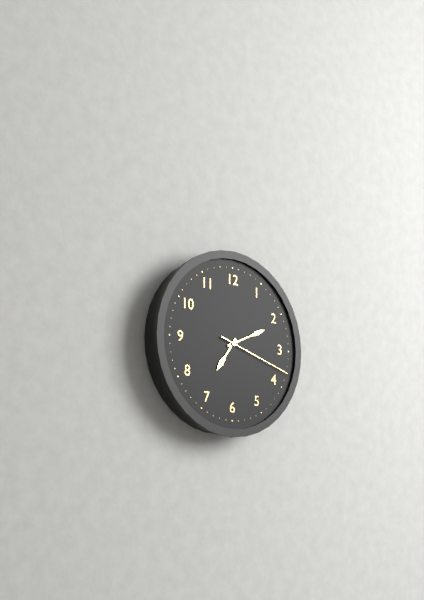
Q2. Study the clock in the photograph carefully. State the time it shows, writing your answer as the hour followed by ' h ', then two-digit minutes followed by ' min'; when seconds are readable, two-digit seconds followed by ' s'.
7 h 11 min 18 s
